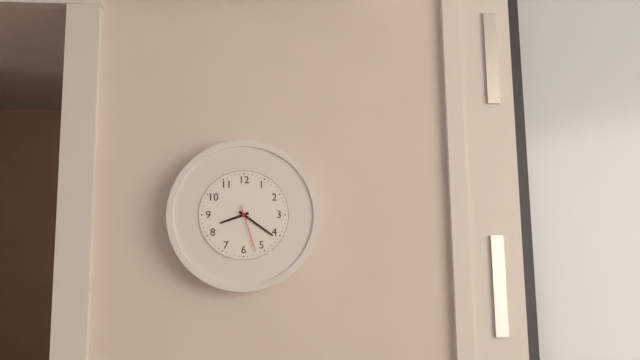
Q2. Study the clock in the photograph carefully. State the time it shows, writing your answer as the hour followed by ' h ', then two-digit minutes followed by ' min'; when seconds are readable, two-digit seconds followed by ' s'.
8 h 21 min
